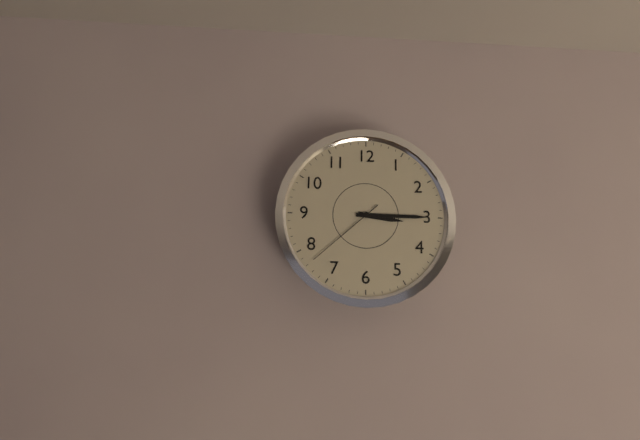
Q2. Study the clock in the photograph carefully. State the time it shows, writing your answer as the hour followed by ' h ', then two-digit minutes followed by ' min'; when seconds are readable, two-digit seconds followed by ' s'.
3 h 15 min 38 s
